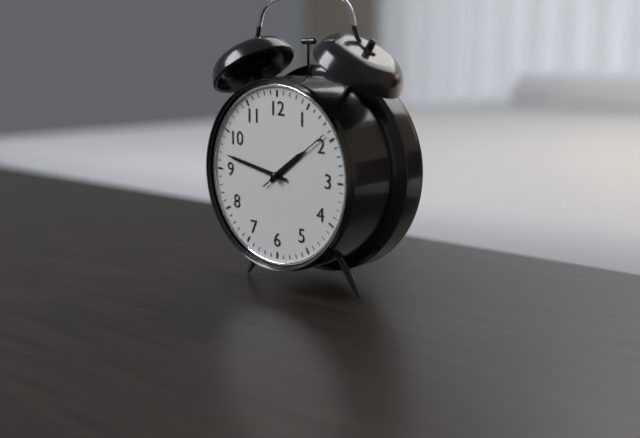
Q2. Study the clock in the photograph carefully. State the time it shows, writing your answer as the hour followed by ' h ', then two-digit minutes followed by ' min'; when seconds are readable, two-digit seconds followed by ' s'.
1 h 47 min 09 s
